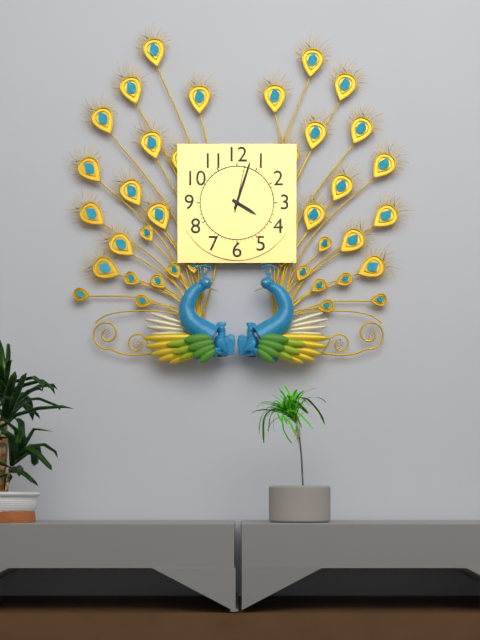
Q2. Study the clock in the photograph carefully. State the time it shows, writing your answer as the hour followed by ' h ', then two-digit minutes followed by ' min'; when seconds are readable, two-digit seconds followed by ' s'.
4 h 03 min
